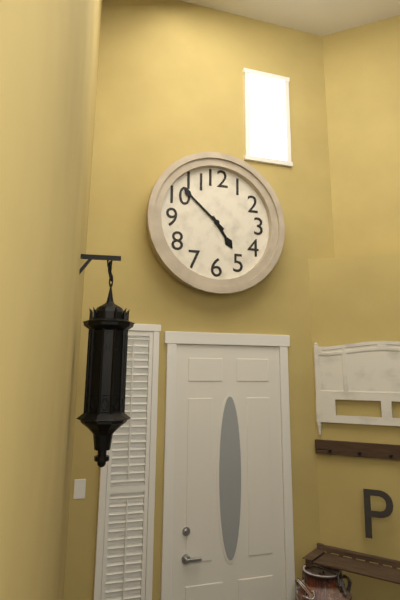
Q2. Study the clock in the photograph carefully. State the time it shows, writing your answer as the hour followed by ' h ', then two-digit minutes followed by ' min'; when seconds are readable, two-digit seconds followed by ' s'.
4 h 52 min
